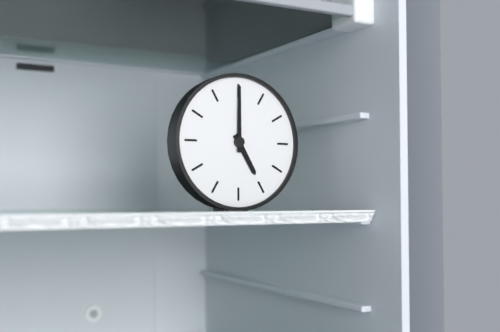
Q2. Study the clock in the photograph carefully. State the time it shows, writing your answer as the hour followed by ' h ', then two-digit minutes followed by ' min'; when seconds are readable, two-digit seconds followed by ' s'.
5 h 00 min
